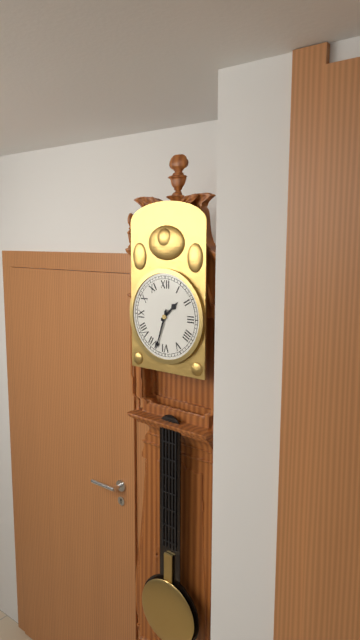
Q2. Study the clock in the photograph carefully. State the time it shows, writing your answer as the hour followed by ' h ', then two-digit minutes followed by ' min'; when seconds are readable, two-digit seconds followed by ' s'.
1 h 33 min
